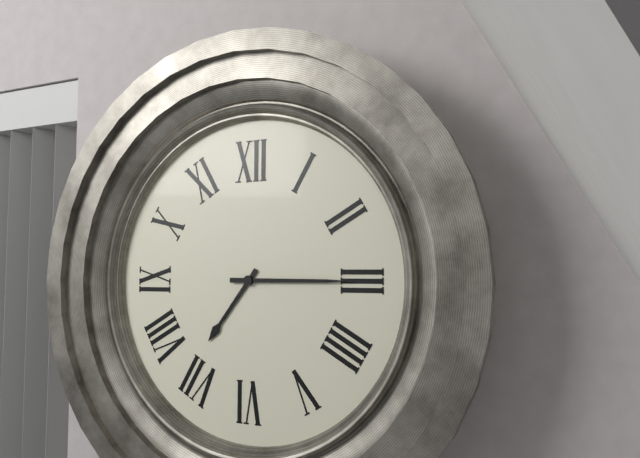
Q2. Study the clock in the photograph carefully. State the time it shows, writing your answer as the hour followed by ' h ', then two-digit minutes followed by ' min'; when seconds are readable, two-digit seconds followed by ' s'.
7 h 15 min
